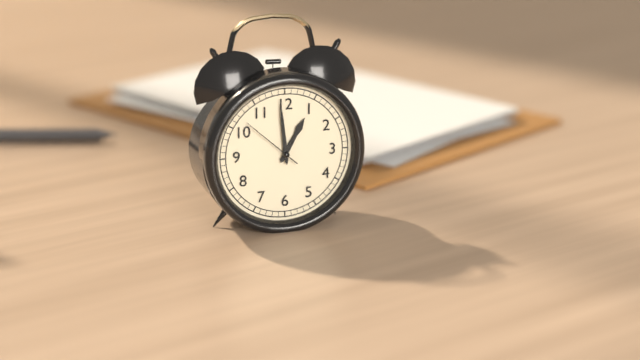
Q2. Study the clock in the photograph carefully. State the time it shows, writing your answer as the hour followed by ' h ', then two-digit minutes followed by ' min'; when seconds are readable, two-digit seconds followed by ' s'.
12 h 59 min 52 s
